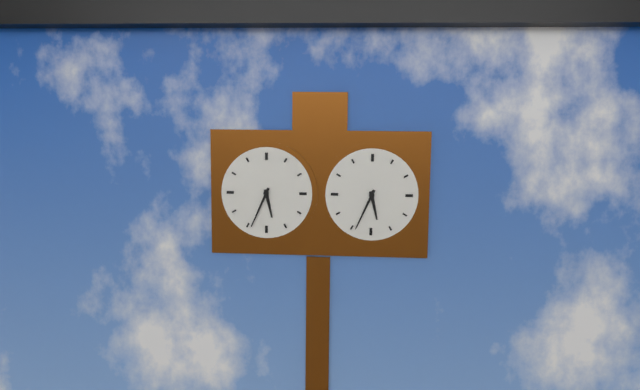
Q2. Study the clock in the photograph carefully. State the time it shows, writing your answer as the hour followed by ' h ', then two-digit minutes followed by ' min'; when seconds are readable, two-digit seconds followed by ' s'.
5 h 34 min
